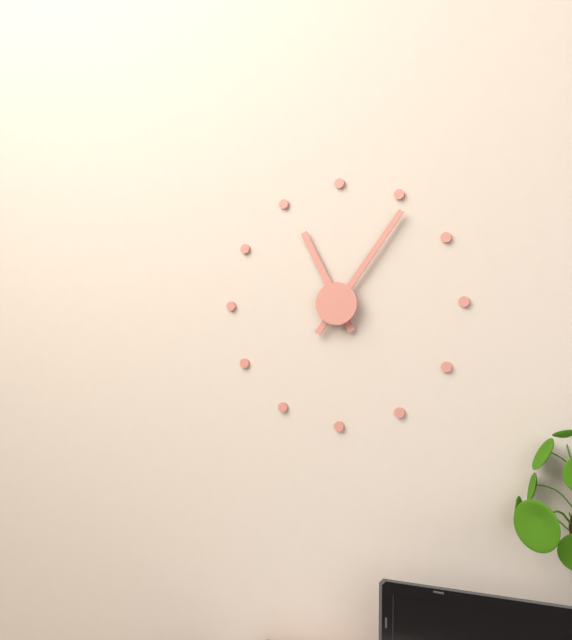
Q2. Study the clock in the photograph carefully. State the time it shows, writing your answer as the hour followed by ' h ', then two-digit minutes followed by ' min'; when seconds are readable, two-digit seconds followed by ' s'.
11 h 06 min
